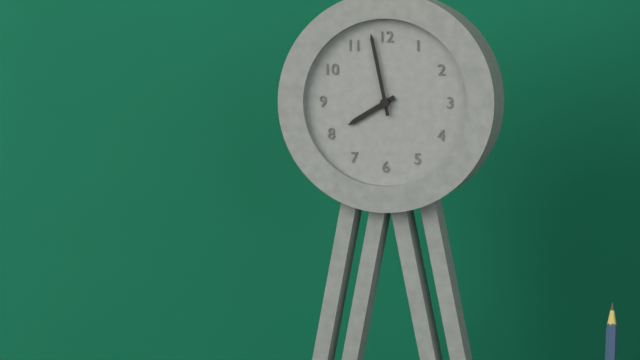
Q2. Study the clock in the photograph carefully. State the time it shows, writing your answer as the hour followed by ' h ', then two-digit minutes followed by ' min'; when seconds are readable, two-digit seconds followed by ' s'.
7 h 58 min
